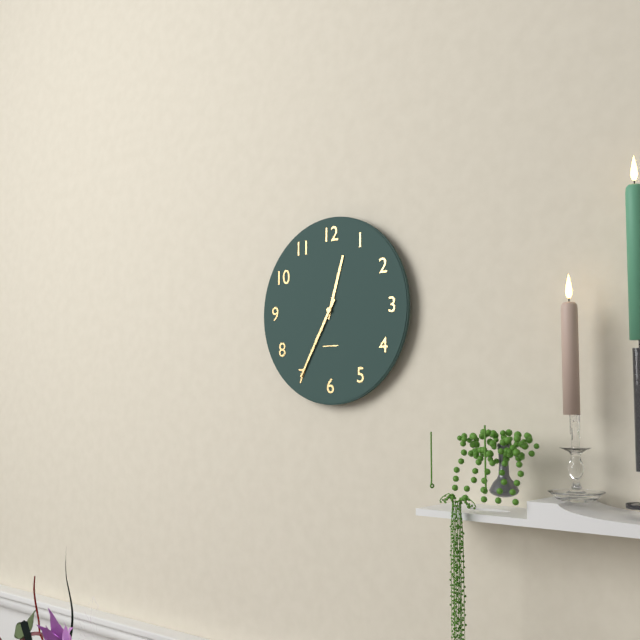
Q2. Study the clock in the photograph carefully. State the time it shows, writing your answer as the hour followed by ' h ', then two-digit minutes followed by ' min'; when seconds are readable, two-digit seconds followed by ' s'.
12 h 35 min
